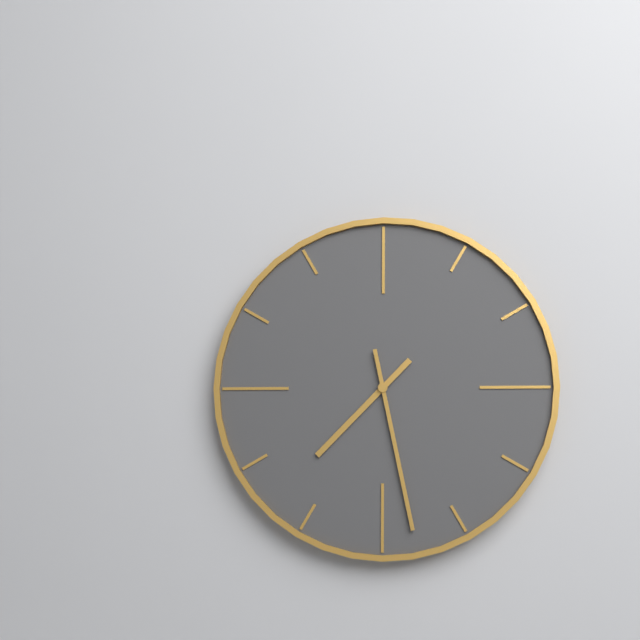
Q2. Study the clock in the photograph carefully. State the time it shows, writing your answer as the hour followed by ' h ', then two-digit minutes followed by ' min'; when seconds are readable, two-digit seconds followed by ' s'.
7 h 28 min
